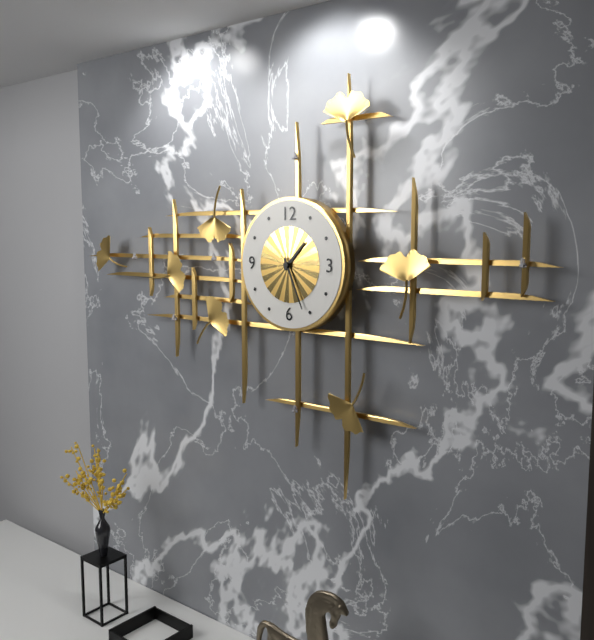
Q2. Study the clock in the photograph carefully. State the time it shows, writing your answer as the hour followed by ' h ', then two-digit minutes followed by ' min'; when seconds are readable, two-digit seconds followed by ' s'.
1 h 26 min
